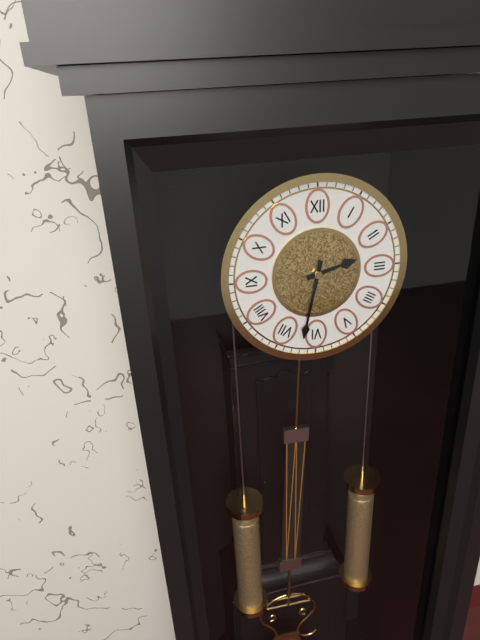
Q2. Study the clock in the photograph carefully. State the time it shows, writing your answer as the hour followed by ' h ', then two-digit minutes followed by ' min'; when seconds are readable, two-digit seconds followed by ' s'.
2 h 32 min
